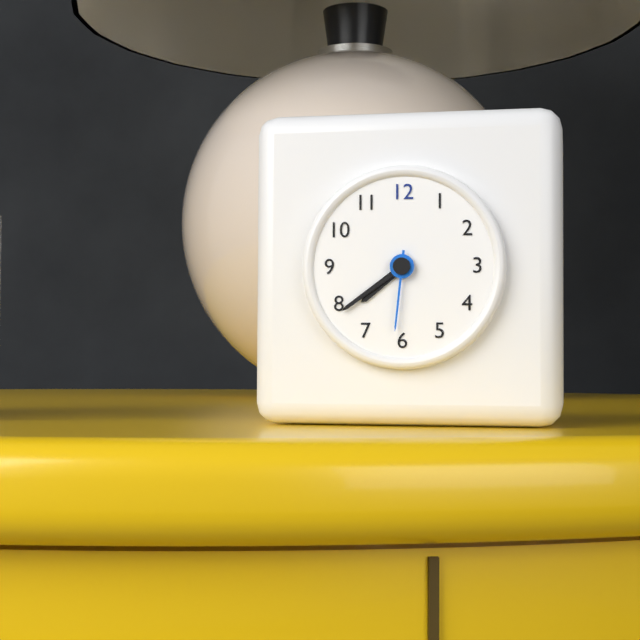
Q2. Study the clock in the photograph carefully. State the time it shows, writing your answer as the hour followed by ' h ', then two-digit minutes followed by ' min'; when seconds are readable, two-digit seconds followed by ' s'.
7 h 39 min 31 s
